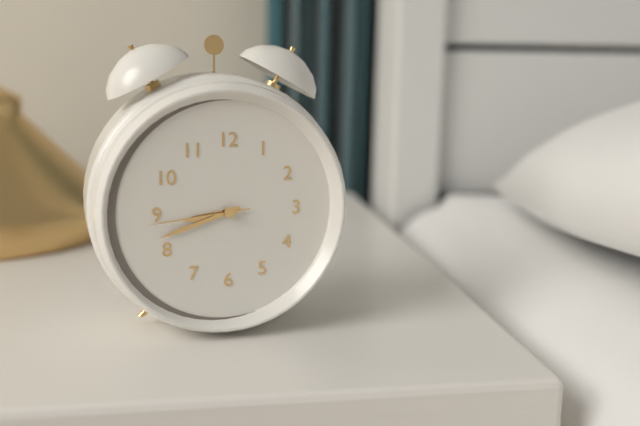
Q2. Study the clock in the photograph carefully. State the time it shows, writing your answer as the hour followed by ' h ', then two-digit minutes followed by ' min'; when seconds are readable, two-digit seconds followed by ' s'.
8 h 42 min 44 s
